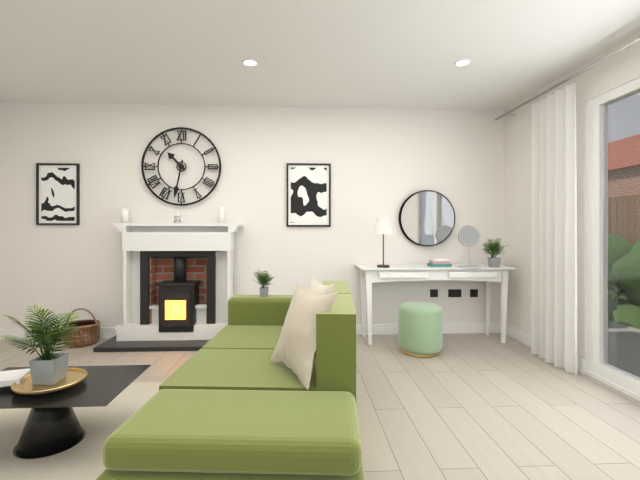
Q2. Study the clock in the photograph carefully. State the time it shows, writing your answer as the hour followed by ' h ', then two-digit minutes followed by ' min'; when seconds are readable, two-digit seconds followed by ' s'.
10 h 32 min
